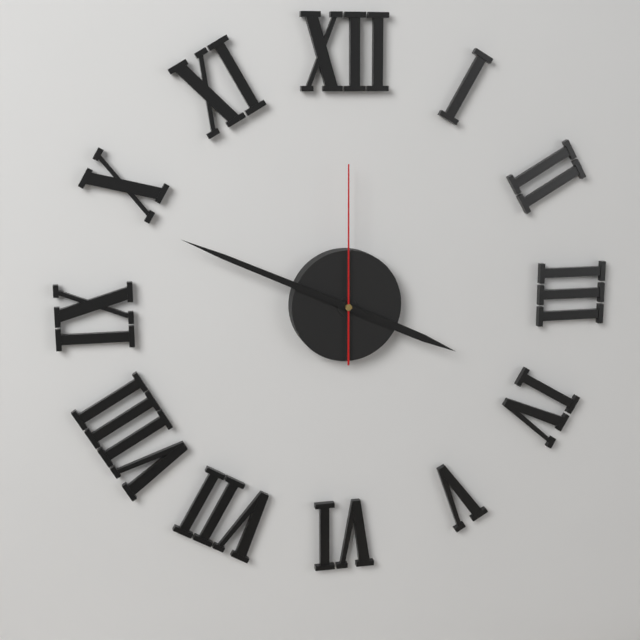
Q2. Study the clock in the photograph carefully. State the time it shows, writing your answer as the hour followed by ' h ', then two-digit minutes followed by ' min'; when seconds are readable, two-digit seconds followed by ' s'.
3 h 49 min 00 s
